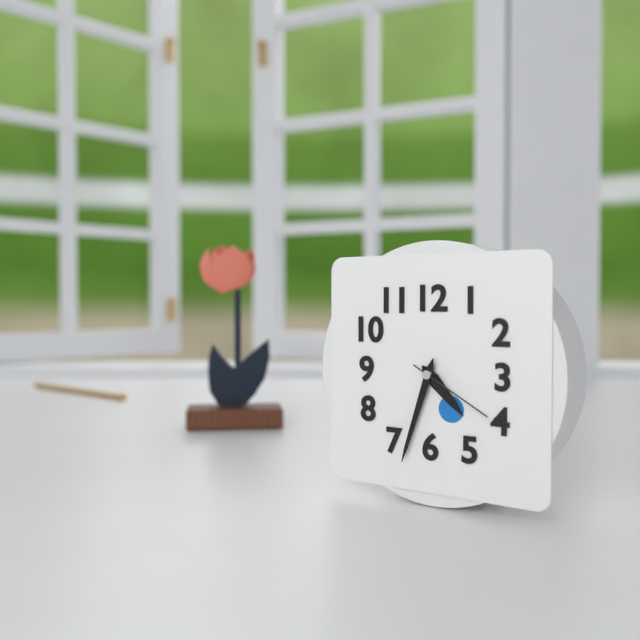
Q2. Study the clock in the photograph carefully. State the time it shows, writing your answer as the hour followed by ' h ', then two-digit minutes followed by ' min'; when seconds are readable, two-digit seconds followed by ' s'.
4 h 33 min 20 s
